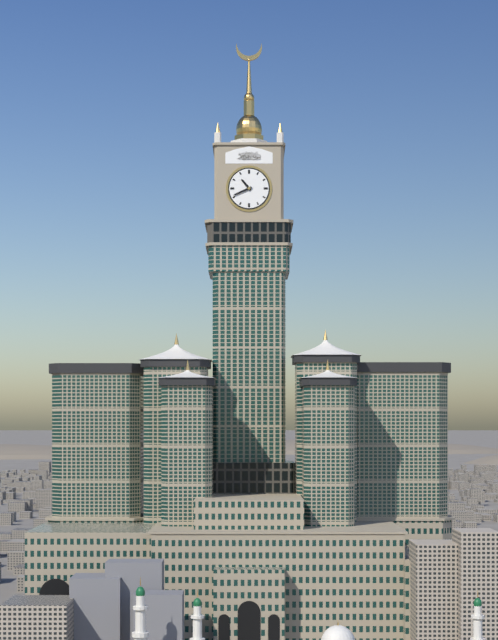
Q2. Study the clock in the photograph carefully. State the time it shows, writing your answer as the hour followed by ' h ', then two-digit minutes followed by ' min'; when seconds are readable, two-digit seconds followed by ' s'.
10 h 41 min
